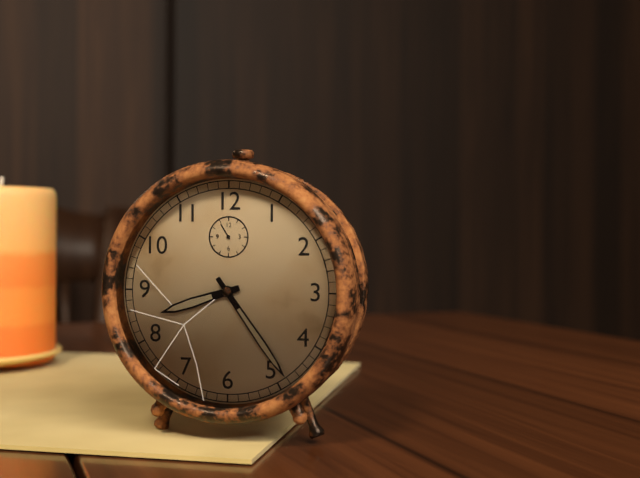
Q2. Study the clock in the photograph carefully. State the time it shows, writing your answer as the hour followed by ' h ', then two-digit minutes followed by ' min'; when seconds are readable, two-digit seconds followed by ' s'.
8 h 24 min
